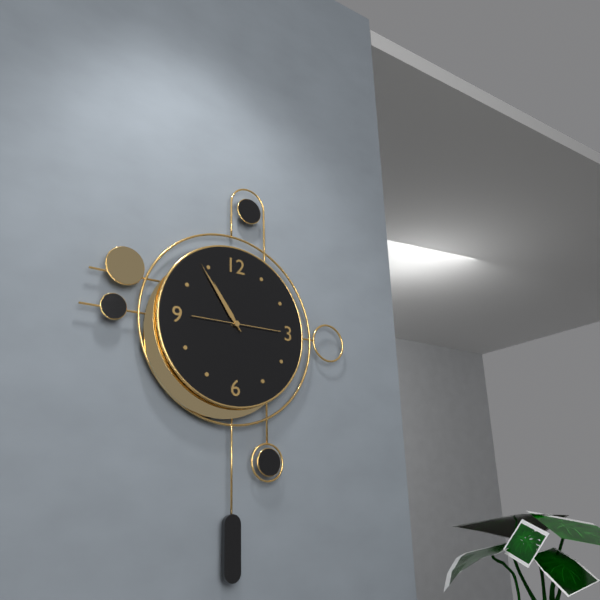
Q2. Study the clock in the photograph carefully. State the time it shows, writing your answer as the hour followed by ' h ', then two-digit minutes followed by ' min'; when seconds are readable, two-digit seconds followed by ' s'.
10 h 54 min 15 s
